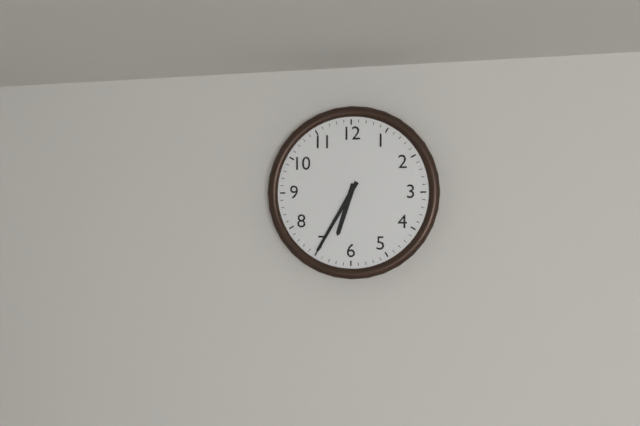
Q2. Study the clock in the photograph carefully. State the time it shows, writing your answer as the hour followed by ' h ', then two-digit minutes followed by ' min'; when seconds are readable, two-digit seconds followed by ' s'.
6 h 35 min
